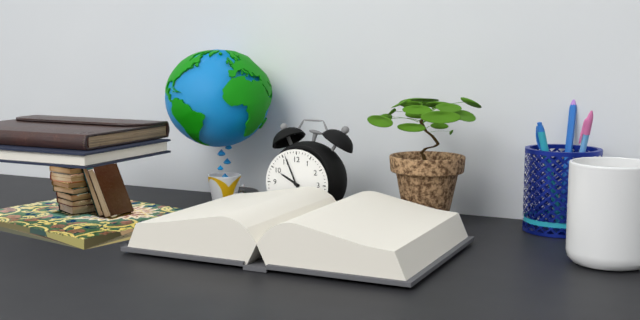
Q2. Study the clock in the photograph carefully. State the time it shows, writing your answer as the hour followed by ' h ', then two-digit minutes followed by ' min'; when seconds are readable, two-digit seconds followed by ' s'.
9 h 56 min
